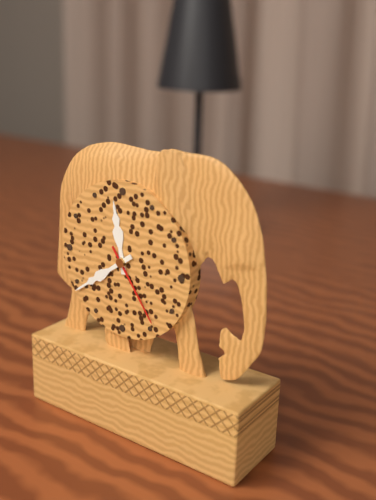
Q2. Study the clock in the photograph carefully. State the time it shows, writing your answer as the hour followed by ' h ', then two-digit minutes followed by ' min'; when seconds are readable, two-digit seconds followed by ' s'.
11 h 39 min 24 s
